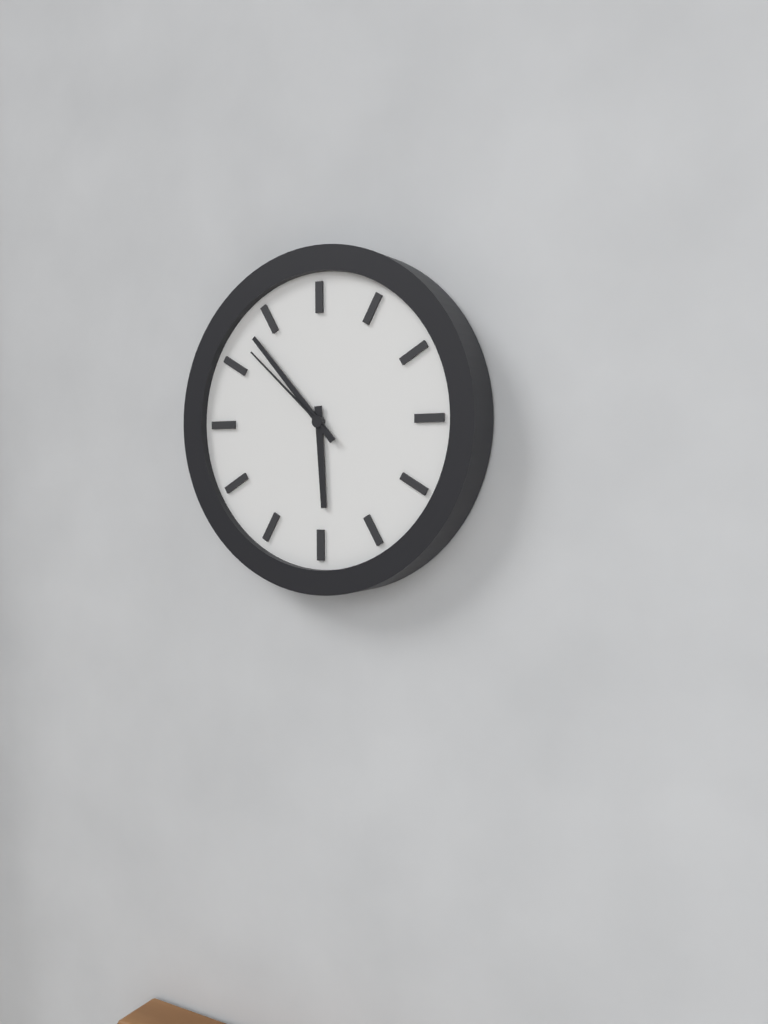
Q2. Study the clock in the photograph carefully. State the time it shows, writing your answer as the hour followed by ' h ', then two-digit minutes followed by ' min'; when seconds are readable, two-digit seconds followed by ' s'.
5 h 53 min 52 s
